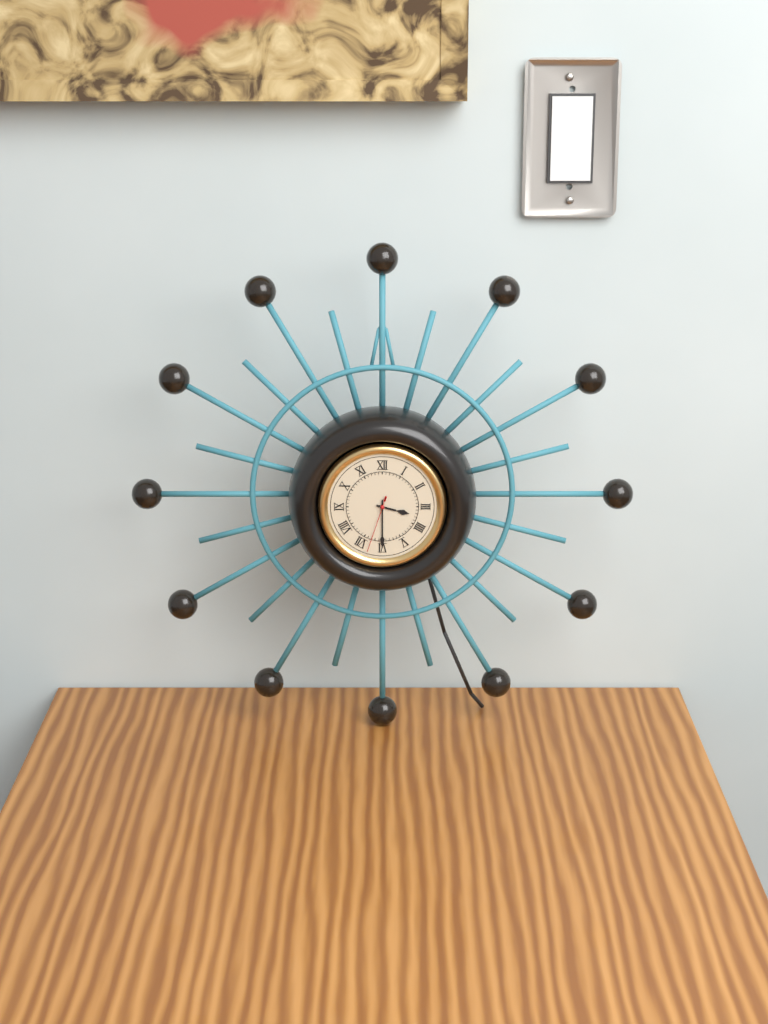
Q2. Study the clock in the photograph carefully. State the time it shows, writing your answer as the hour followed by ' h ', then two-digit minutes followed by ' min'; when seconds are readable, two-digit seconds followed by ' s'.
3 h 30 min 33 s
